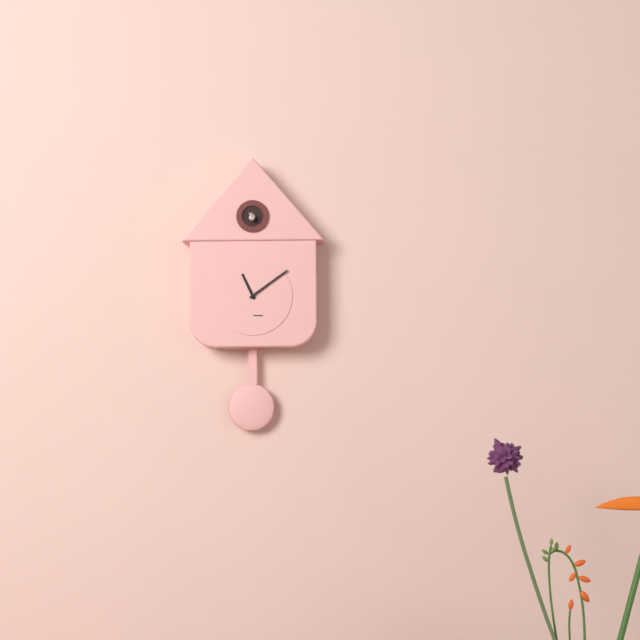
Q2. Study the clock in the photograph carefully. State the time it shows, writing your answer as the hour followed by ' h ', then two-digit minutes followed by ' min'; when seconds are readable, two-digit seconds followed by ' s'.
11 h 09 min
